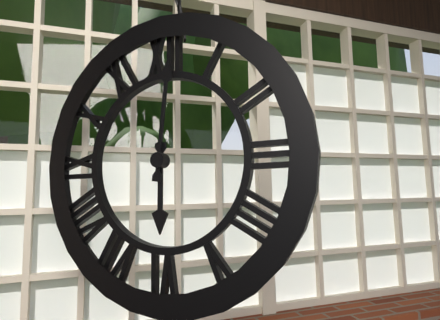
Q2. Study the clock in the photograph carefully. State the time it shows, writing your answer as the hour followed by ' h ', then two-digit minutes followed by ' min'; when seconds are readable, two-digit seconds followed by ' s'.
6 h 01 min
